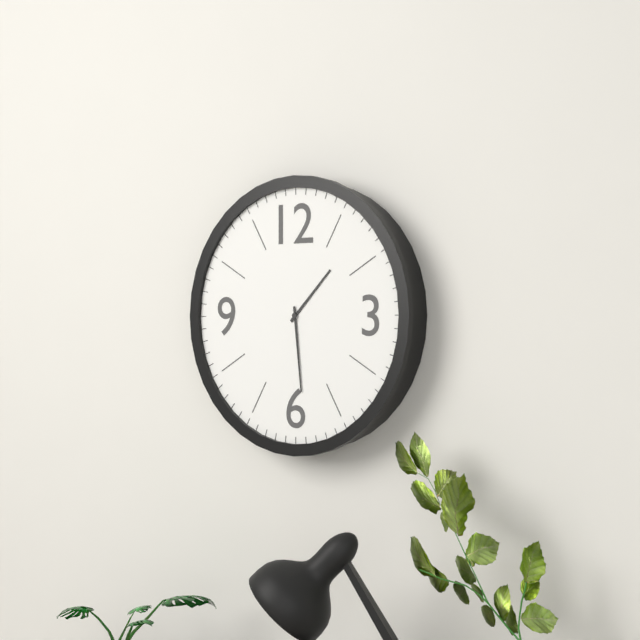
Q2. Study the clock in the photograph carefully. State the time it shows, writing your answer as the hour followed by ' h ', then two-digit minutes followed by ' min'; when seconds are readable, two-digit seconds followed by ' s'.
1 h 29 min
